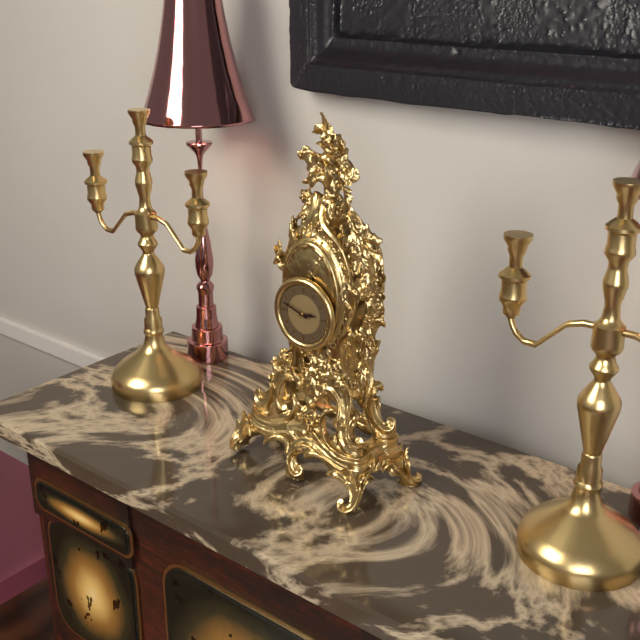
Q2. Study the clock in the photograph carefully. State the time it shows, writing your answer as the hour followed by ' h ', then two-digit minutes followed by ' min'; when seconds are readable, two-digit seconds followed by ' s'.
2 h 48 min
